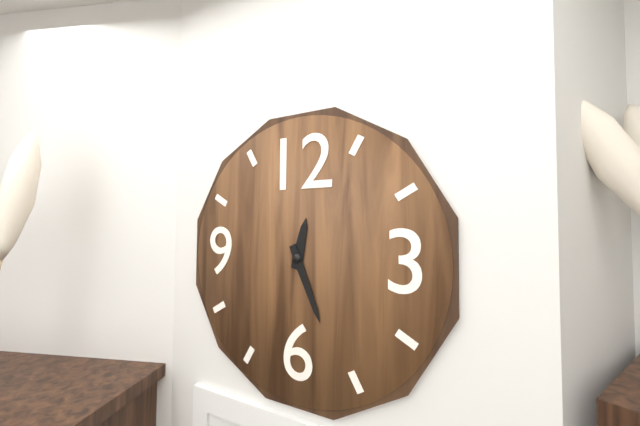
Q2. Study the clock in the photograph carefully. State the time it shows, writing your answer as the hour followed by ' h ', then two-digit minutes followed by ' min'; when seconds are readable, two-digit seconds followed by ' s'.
12 h 26 min
